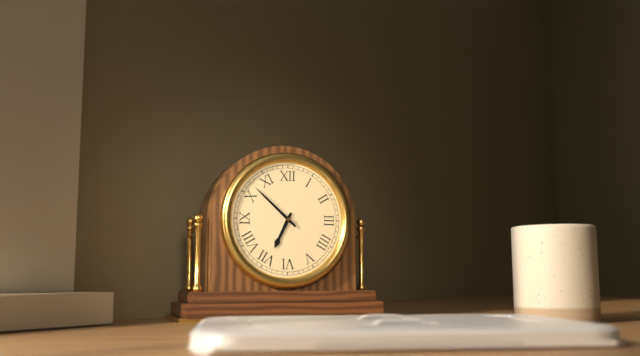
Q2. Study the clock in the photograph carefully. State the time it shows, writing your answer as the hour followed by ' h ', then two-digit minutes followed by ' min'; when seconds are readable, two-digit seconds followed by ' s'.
6 h 52 min
